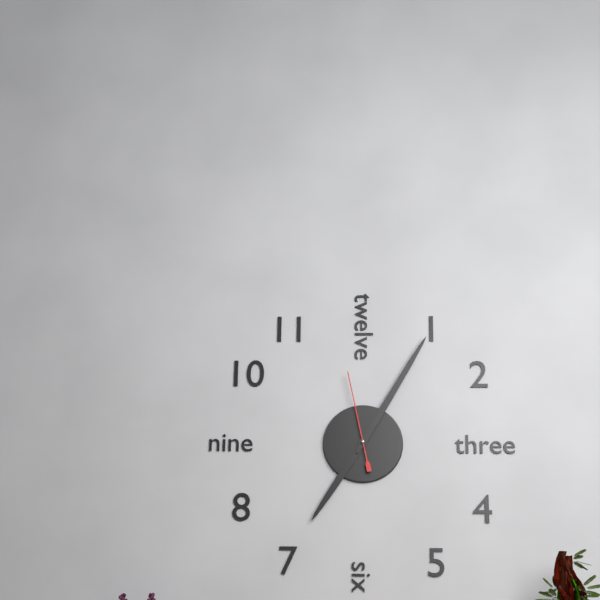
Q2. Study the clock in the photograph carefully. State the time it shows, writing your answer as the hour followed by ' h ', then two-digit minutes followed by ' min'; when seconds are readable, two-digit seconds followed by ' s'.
7 h 05 min 58 s
